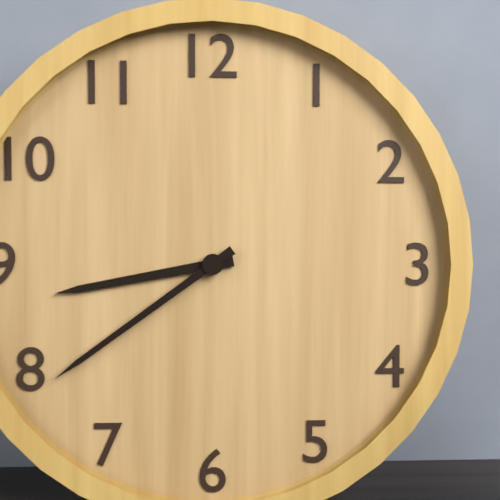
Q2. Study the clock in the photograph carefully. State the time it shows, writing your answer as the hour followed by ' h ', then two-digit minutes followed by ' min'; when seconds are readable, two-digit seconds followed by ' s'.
8 h 39 min
